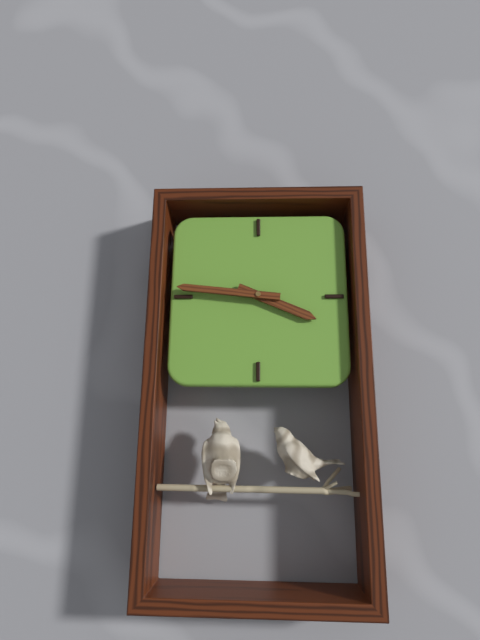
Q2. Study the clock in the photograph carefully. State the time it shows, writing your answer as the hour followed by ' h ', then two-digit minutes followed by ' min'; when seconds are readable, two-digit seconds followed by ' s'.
3 h 46 min
